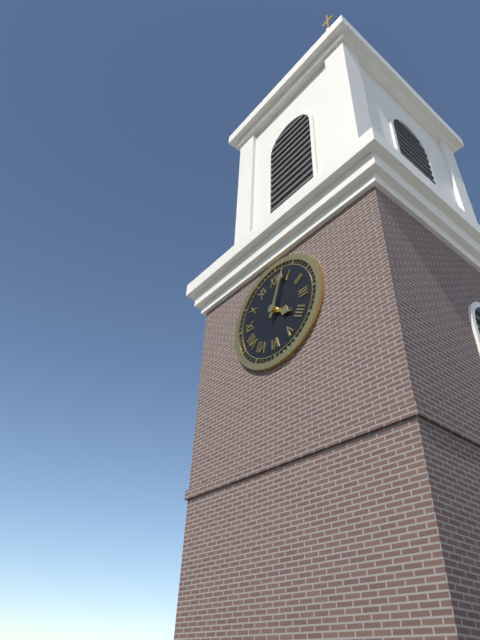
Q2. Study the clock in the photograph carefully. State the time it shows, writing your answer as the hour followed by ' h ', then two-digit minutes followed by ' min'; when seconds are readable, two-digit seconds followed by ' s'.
4 h 03 min
